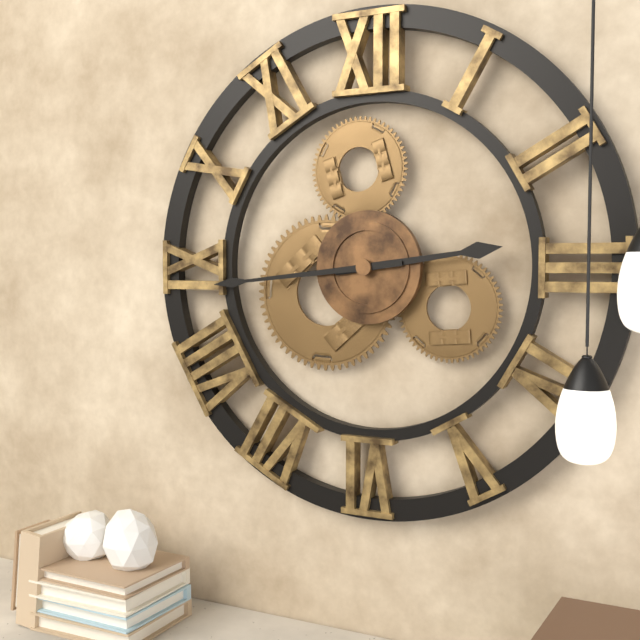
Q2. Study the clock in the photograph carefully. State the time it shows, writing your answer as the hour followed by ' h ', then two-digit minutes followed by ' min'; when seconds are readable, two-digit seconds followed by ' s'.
2 h 44 min
